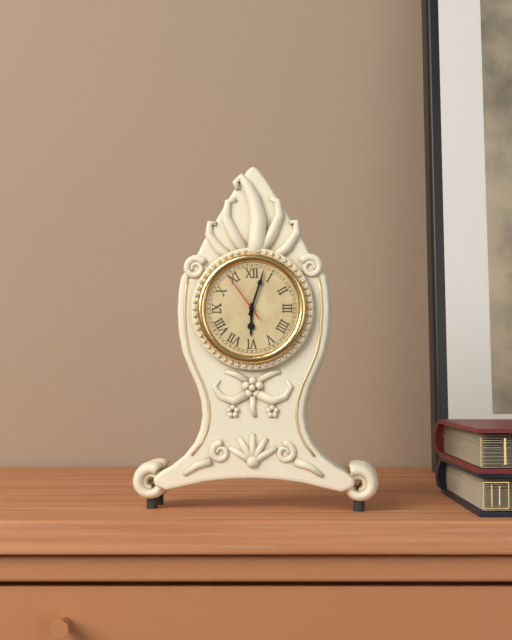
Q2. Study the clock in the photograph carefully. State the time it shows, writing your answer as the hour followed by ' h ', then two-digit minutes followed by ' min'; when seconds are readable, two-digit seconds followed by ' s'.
6 h 03 min 54 s
